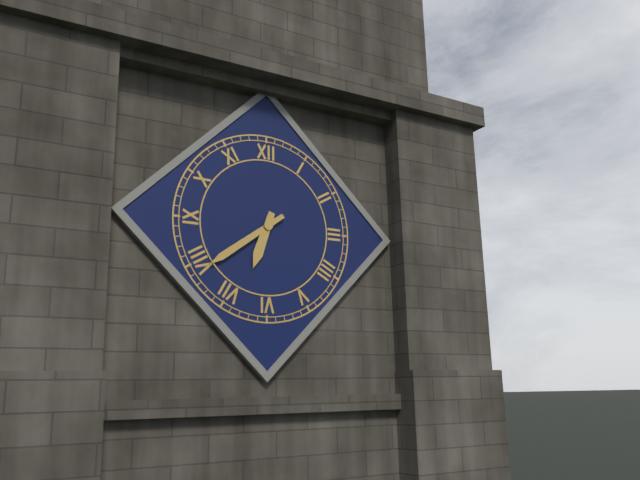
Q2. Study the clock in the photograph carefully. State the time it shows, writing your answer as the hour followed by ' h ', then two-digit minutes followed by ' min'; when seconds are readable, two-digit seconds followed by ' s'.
6 h 39 min
